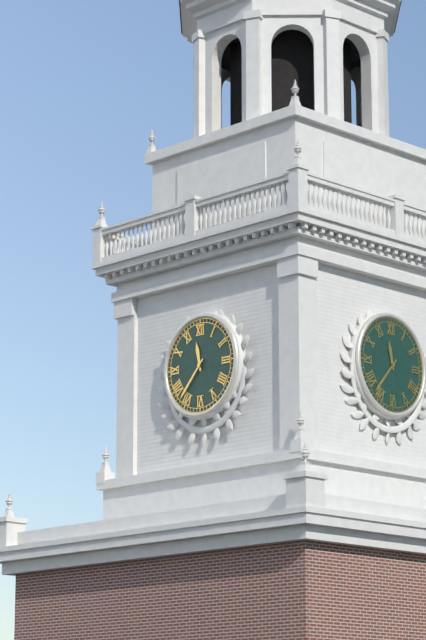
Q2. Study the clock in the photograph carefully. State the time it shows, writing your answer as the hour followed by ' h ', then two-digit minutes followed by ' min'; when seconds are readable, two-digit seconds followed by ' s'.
11 h 37 min
